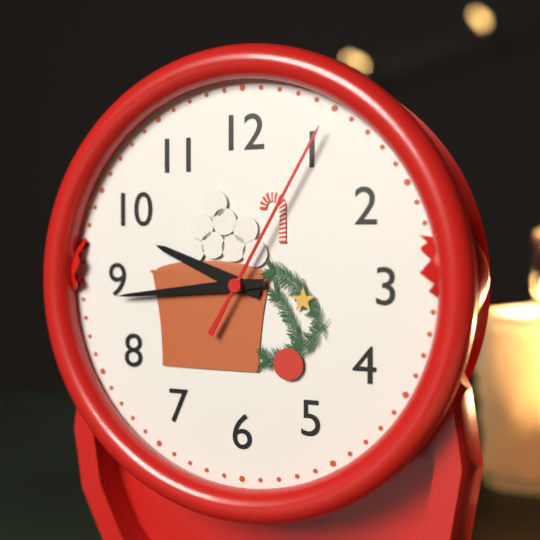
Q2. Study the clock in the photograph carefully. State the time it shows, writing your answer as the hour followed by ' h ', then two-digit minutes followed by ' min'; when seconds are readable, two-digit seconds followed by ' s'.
9 h 44 min 05 s
